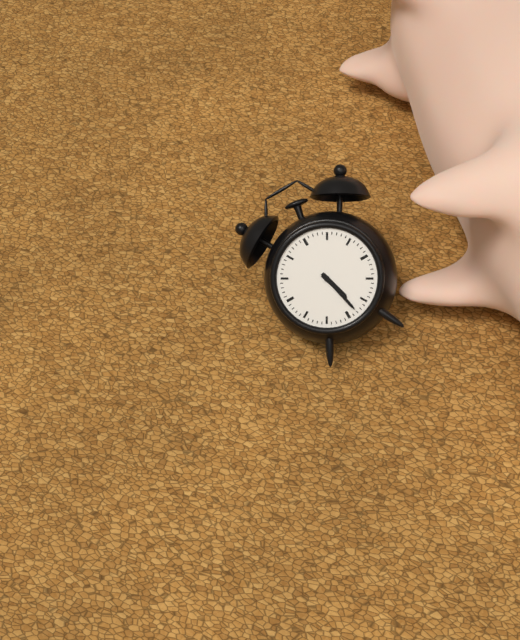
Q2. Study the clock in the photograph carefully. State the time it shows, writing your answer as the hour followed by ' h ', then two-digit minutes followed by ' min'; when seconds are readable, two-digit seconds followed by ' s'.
5 h 28 min
